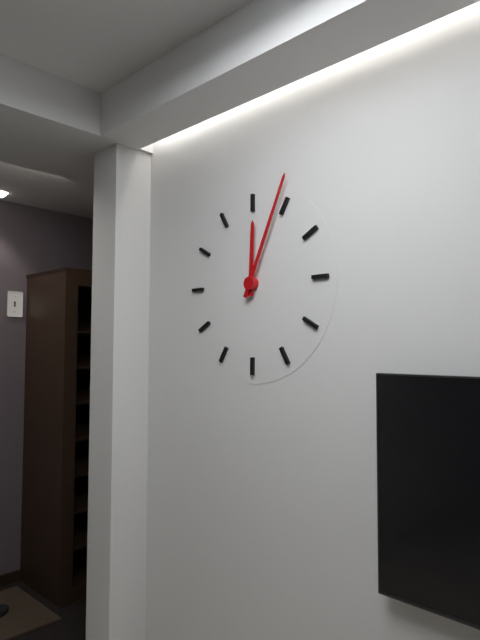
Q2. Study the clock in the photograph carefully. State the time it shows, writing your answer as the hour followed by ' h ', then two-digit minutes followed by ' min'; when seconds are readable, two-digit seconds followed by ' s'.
12 h 04 min
